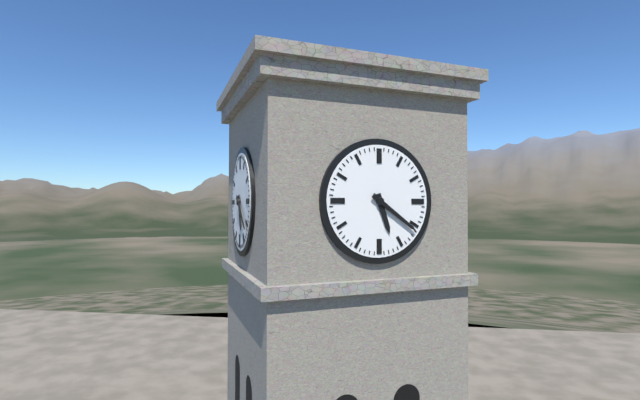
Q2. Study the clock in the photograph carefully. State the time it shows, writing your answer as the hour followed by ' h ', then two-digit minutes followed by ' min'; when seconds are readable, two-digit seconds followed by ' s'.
5 h 21 min
